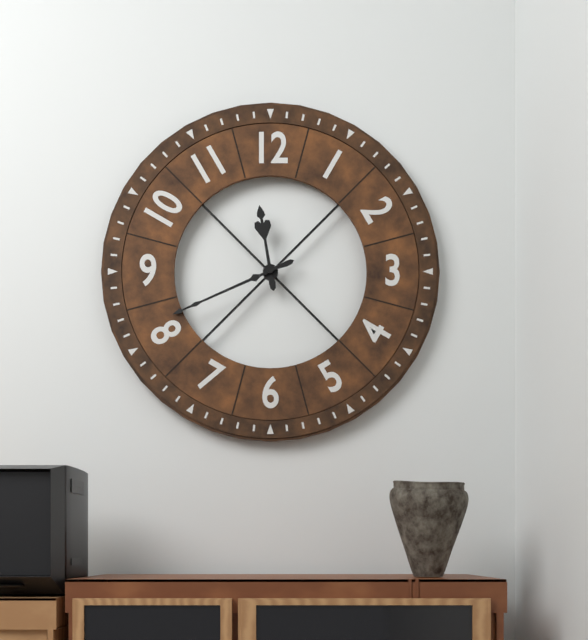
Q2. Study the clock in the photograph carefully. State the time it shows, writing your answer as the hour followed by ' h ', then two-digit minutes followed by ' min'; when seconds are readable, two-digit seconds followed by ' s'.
11 h 41 min
